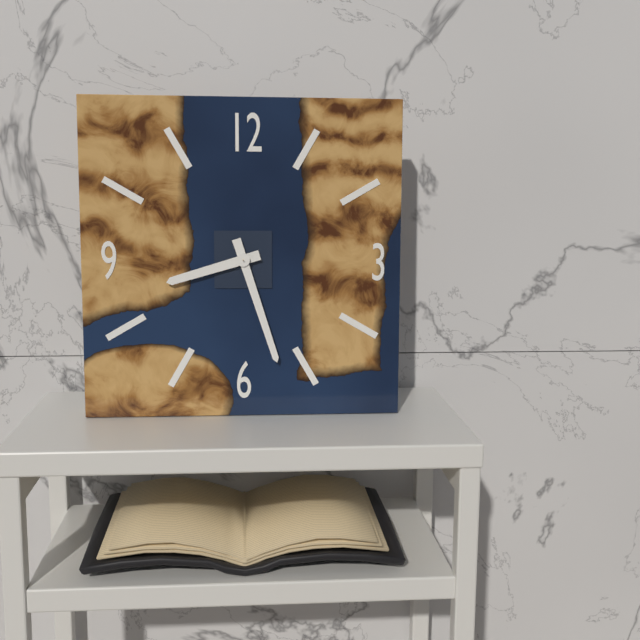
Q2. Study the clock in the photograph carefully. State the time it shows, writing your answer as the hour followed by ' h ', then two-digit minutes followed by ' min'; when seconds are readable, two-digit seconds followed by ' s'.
8 h 27 min
